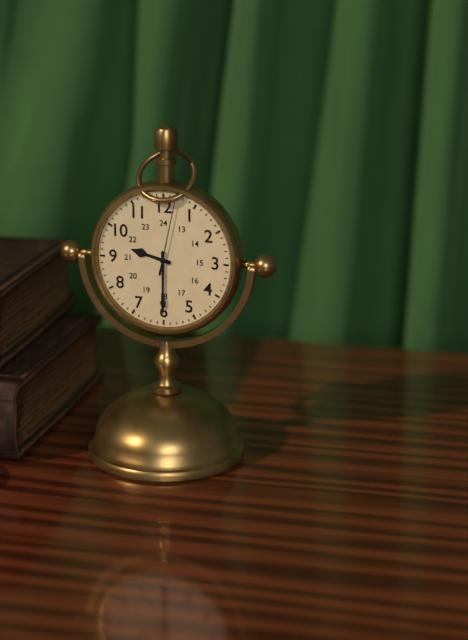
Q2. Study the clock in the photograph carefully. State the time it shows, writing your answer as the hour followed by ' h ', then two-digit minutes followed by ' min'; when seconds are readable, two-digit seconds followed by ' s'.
9 h 30 min 02 s
